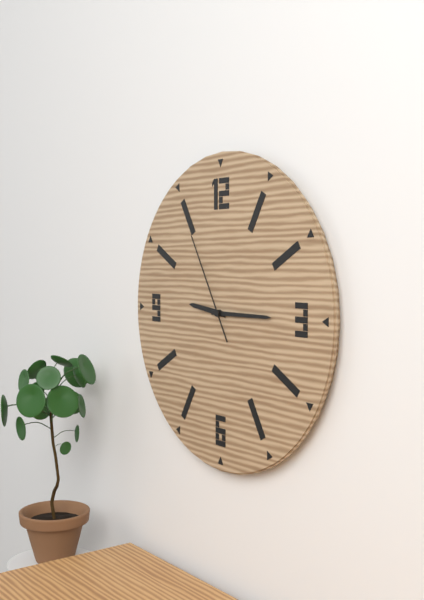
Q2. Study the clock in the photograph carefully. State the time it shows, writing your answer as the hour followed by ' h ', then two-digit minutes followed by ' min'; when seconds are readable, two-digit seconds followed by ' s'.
9 h 15 min 55 s
